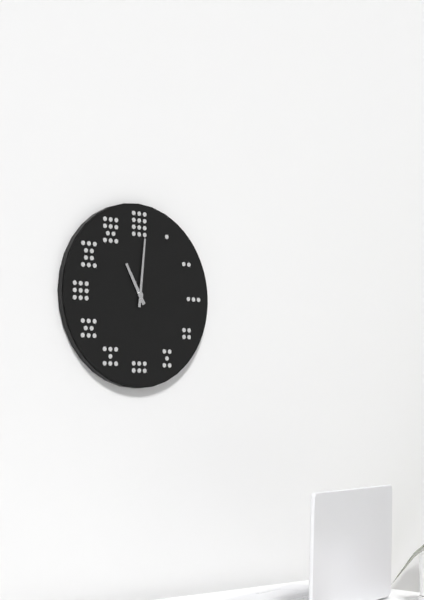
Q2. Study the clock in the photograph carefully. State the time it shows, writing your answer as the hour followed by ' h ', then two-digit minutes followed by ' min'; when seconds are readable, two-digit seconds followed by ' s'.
11 h 01 min
